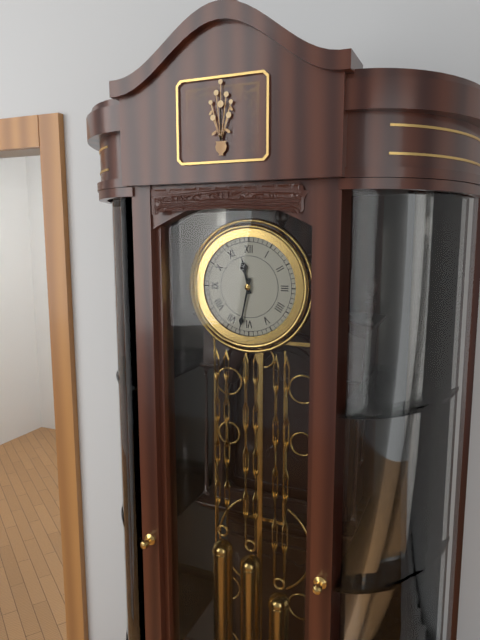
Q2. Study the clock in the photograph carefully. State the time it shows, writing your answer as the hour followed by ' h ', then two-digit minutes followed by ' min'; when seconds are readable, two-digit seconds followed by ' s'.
11 h 32 min
